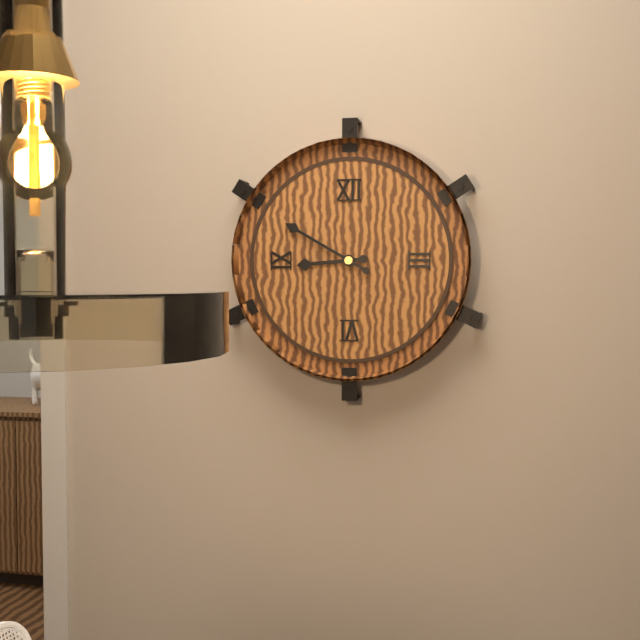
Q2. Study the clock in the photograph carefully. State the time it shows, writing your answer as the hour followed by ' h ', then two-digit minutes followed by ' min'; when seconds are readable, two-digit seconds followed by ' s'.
8 h 50 min
